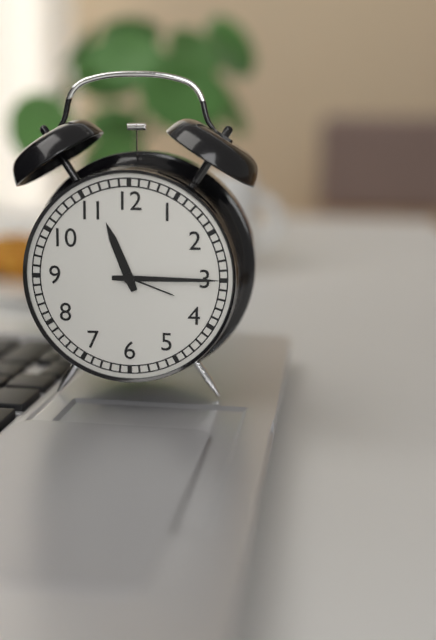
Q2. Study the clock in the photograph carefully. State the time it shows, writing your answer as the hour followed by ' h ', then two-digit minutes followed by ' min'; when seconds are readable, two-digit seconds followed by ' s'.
11 h 15 min
